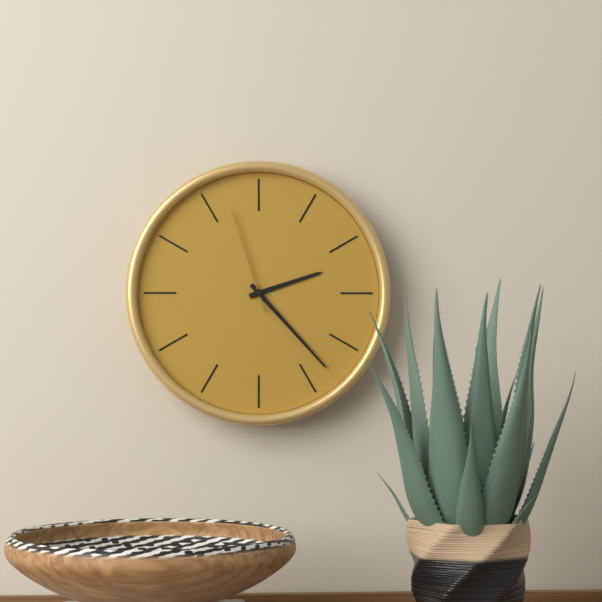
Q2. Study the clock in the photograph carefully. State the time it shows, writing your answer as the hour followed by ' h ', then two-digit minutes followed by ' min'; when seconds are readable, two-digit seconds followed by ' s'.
2 h 23 min 57 s
